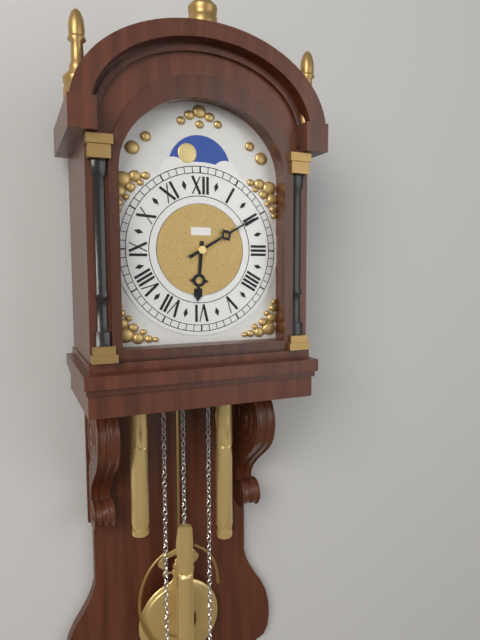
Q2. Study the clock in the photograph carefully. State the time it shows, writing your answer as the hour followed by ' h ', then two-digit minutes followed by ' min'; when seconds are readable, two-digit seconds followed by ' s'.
6 h 10 min
